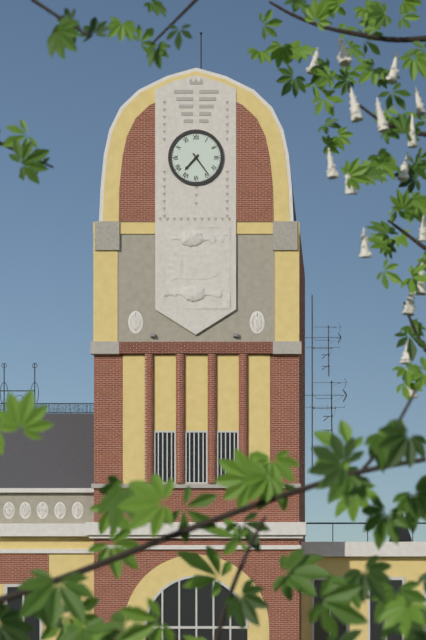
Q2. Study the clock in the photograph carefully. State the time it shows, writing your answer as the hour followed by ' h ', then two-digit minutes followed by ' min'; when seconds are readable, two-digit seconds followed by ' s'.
7 h 24 min
